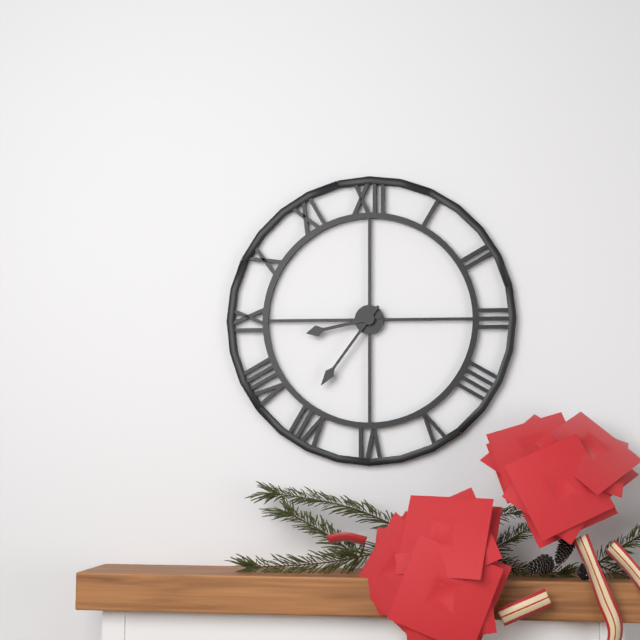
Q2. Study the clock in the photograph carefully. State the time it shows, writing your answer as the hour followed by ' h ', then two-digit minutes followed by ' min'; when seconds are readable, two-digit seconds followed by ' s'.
8 h 36 min
